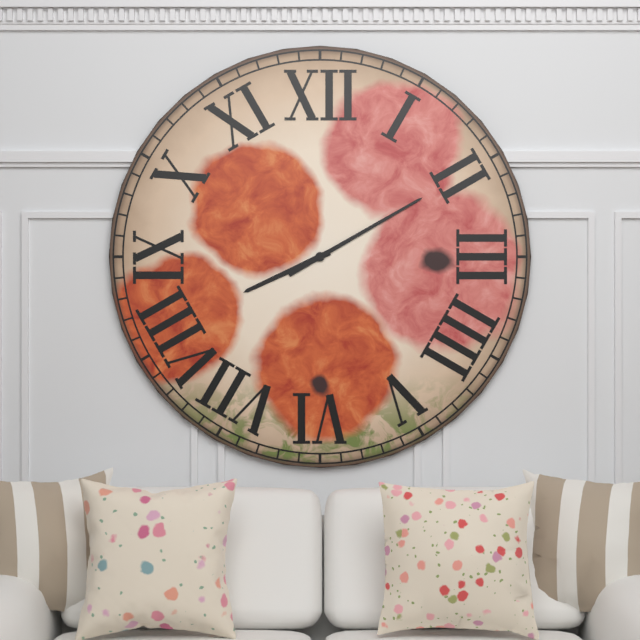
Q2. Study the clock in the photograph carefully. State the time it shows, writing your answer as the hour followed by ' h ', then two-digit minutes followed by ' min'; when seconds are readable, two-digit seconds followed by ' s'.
8 h 10 min
